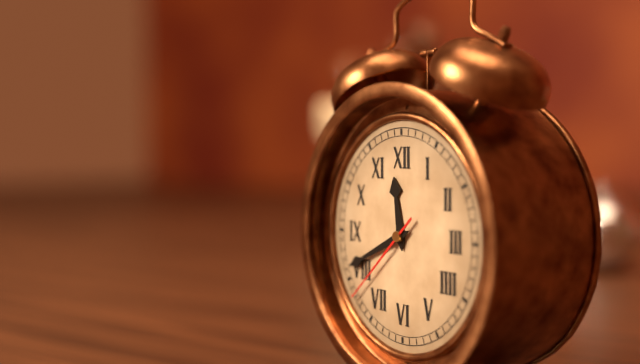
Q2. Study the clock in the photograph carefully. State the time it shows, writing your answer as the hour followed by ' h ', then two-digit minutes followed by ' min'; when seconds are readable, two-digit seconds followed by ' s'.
11 h 41 min 38 s
